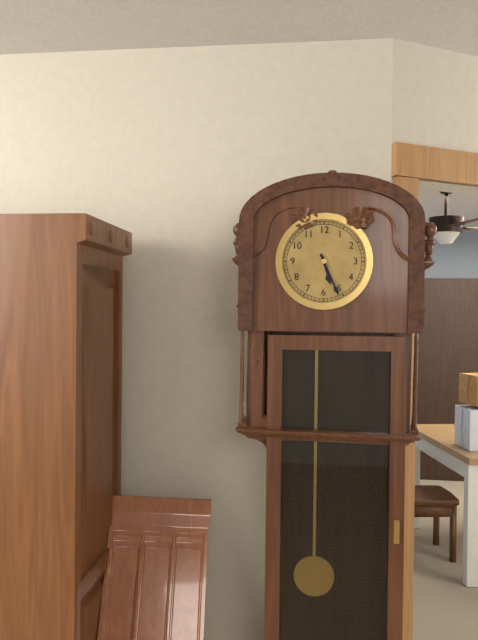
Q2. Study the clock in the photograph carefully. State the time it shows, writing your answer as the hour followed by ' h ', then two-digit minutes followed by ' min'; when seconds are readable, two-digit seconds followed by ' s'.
5 h 26 min
